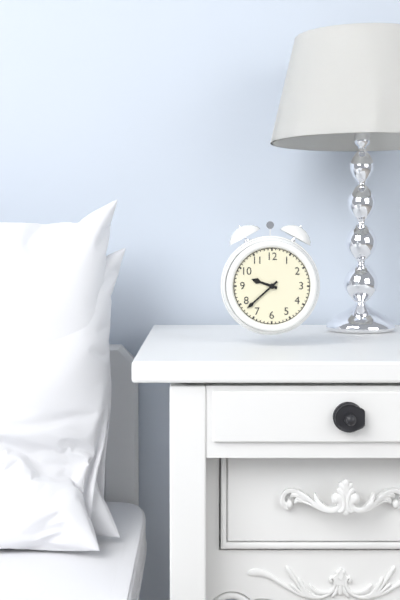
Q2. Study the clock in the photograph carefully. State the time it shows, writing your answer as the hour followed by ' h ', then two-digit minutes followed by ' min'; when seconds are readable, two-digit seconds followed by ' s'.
9 h 38 min
